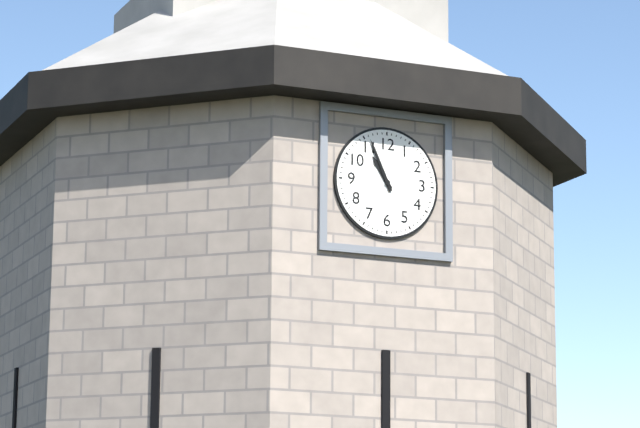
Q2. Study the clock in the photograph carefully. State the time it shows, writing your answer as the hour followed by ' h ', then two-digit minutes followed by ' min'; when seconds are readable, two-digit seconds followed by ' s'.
10 h 56 min
